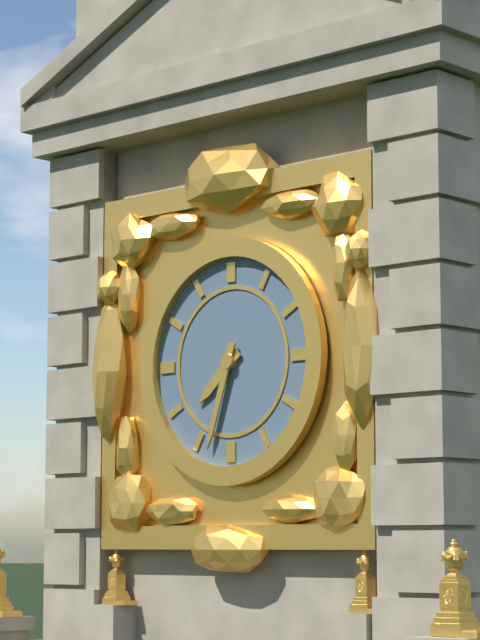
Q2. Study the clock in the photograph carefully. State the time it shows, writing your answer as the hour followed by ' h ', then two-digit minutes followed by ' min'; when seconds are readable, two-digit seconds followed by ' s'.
7 h 33 min
